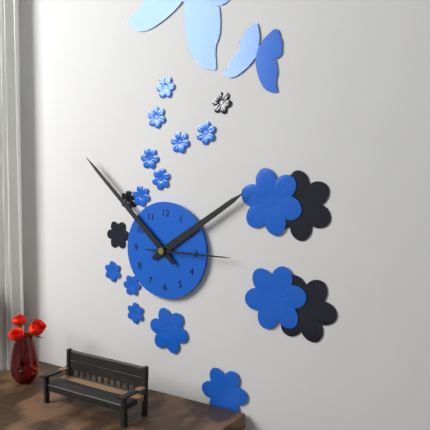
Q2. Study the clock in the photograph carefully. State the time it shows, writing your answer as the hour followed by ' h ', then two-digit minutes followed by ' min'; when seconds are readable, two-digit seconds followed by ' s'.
1 h 52 min 15 s
